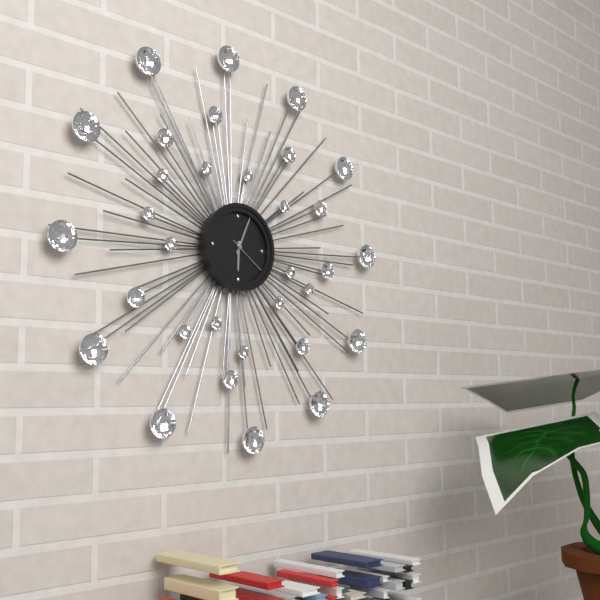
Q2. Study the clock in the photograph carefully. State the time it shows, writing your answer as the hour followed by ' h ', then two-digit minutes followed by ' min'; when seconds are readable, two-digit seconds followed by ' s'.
6 h 04 min
